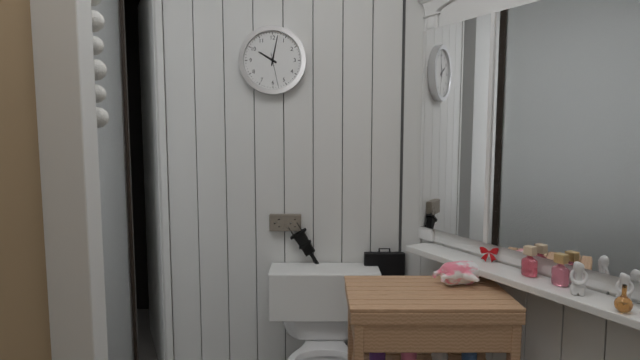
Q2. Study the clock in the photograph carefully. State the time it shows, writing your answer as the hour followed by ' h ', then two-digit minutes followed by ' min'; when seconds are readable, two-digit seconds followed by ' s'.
10 h 02 min
